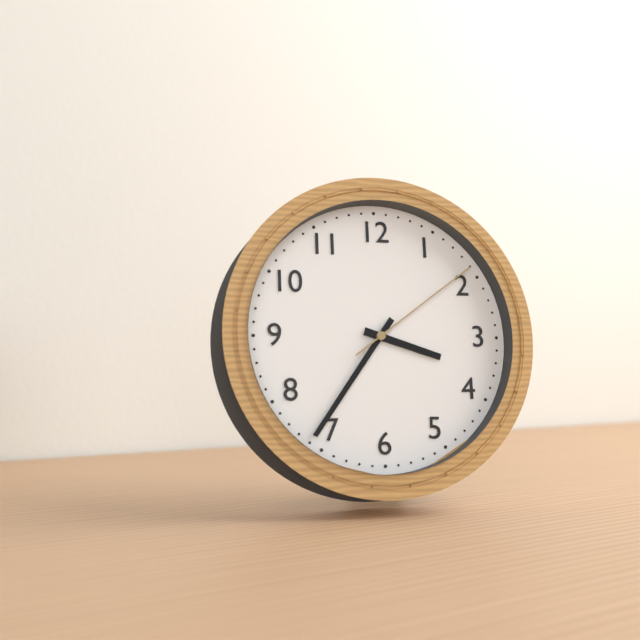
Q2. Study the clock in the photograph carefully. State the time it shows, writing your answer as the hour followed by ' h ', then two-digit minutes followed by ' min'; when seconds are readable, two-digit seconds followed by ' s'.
3 h 36 min 09 s
